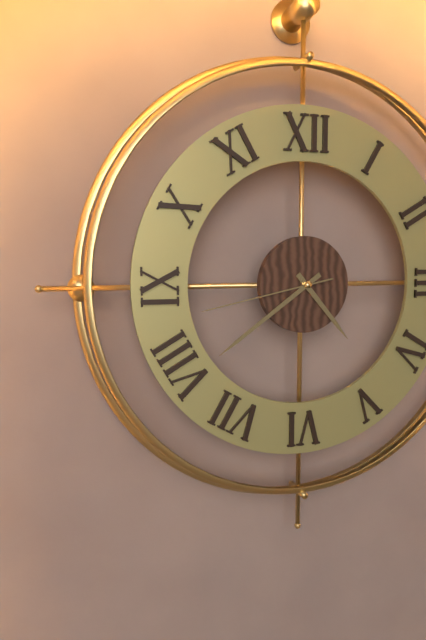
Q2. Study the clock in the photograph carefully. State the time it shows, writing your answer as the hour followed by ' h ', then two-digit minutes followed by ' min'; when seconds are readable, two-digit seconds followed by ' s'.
4 h 39 min 43 s
